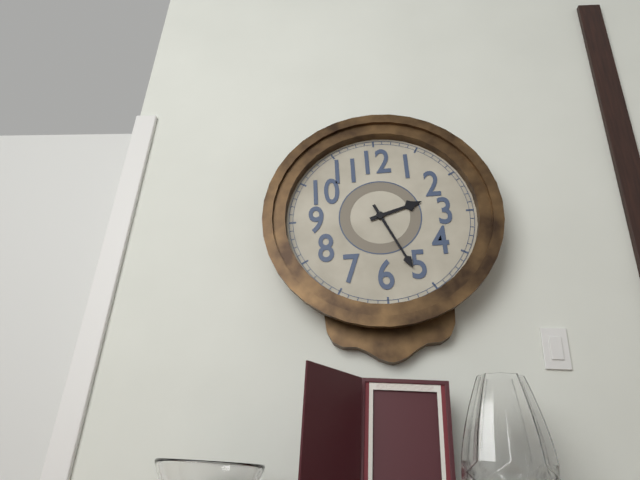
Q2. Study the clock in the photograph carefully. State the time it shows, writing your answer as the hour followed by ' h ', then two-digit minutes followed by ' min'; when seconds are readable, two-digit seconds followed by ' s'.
2 h 26 min
